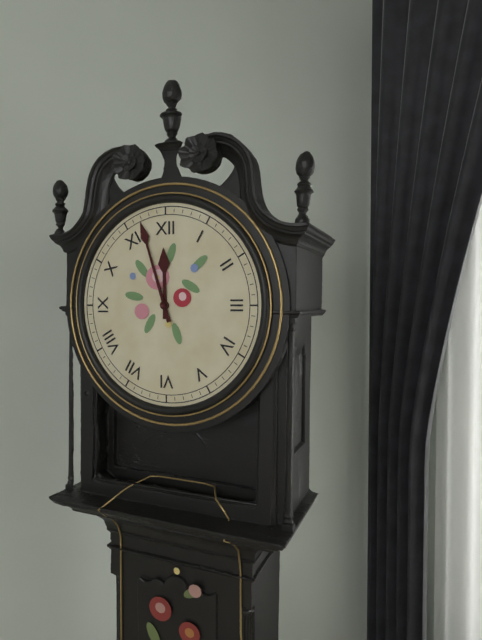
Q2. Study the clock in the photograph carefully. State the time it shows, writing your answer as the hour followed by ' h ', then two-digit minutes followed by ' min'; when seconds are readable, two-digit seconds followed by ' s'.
11 h 57 min
